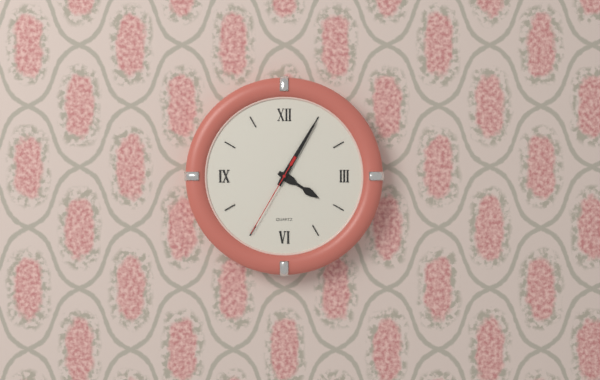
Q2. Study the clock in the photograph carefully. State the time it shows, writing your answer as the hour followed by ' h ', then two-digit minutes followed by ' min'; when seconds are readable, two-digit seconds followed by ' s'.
4 h 05 min 35 s
